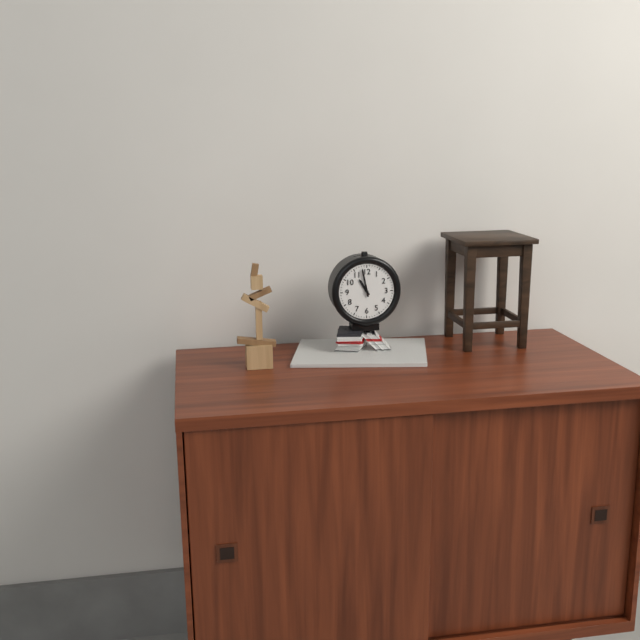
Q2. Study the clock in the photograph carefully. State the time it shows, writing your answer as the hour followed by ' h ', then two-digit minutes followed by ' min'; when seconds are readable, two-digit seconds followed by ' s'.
10 h 58 min
